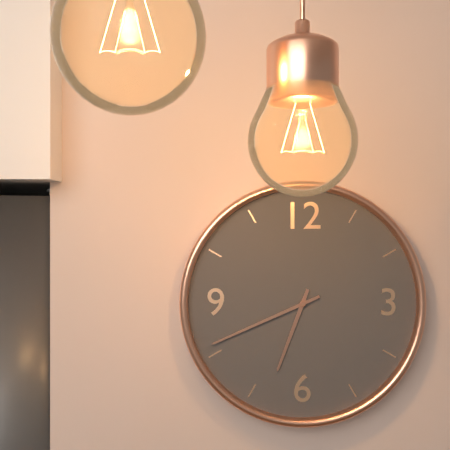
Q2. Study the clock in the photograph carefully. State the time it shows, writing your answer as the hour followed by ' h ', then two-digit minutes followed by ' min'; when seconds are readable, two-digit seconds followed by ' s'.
6 h 41 min
